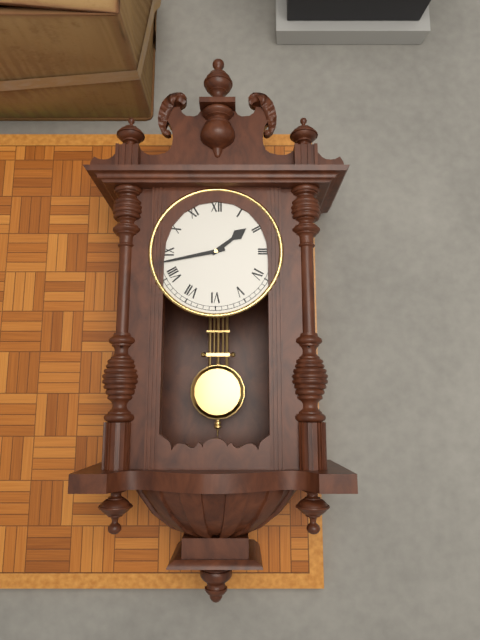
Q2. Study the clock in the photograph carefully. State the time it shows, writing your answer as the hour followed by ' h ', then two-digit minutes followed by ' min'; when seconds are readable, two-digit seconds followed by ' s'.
1 h 43 min
